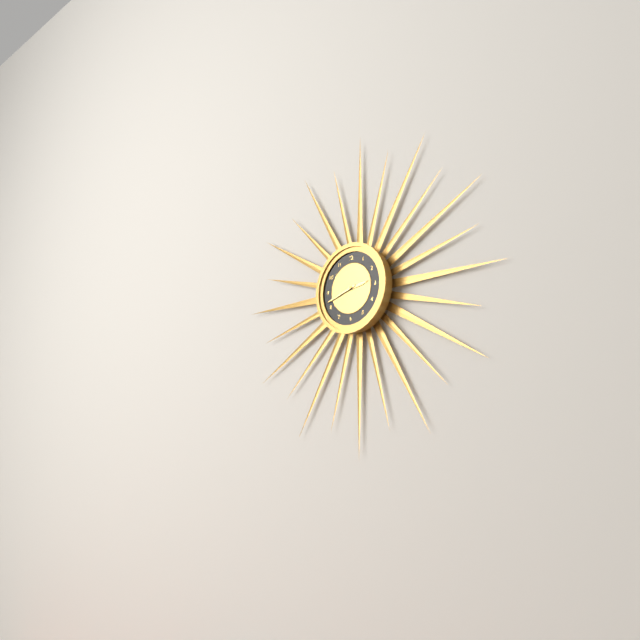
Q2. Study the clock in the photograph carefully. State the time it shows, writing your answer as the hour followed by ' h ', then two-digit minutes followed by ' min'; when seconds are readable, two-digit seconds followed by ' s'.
2 h 42 min
